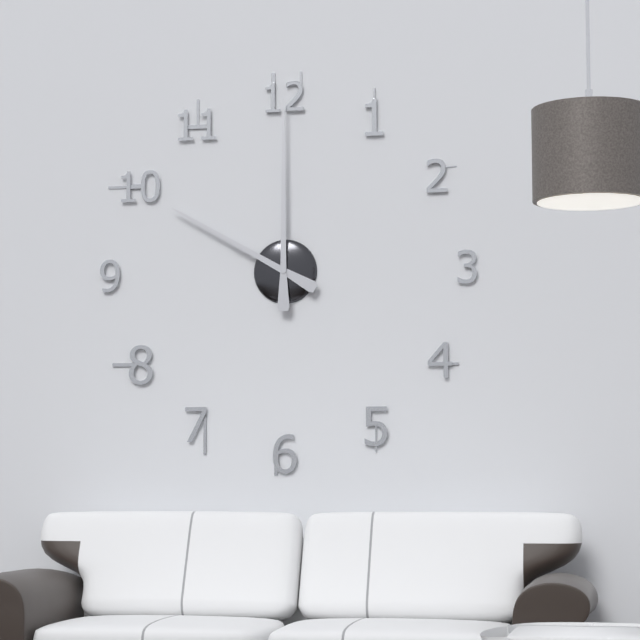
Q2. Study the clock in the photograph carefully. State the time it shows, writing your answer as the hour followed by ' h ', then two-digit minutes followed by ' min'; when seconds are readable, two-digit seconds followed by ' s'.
10 h 00 min
